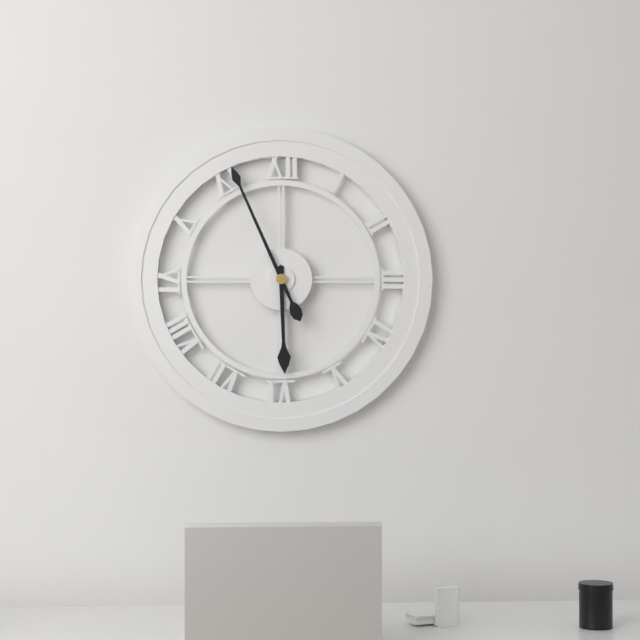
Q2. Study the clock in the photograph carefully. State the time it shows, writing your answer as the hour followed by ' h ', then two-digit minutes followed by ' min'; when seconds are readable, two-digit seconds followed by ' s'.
5 h 56 min
